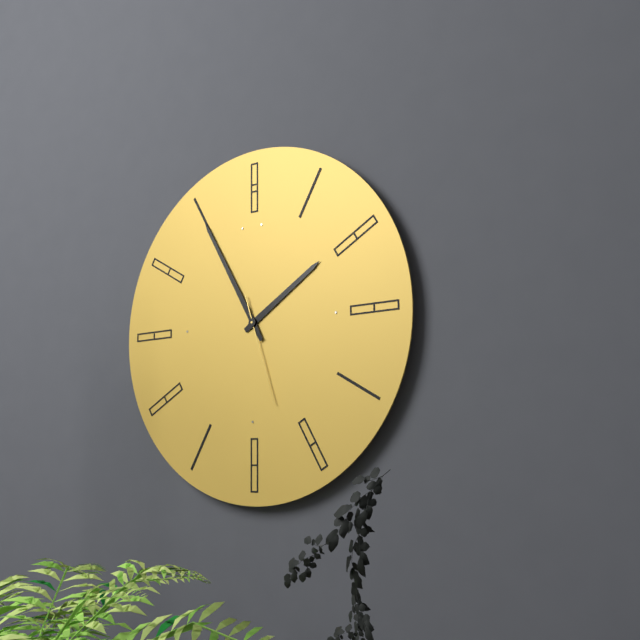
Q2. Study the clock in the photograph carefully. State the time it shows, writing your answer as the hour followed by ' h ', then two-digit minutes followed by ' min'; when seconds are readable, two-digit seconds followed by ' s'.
1 h 55 min 27 s
